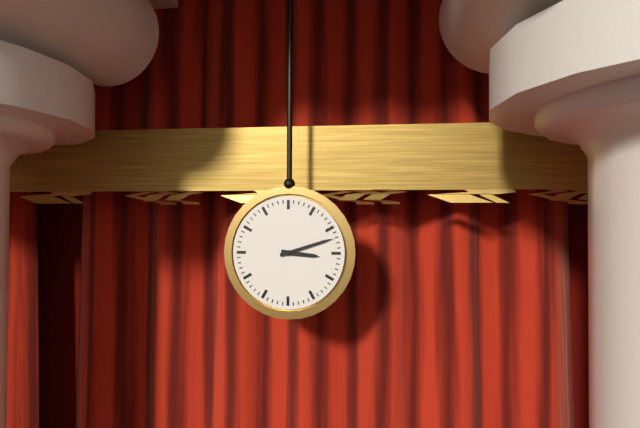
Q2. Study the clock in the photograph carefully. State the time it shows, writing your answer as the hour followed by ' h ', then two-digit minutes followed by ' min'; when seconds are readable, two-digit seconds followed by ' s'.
3 h 12 min
